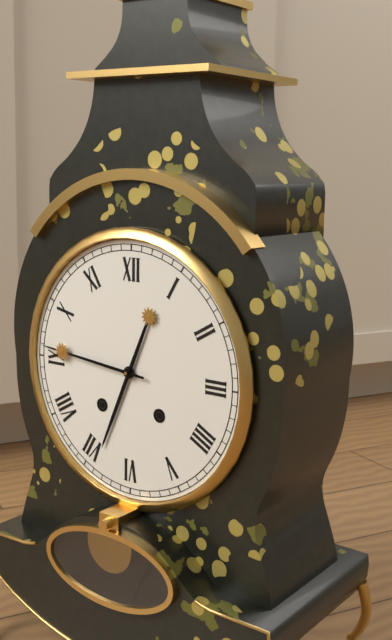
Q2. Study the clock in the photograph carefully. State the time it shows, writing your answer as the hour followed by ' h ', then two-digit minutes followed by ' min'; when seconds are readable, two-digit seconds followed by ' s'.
6 h 46 min
